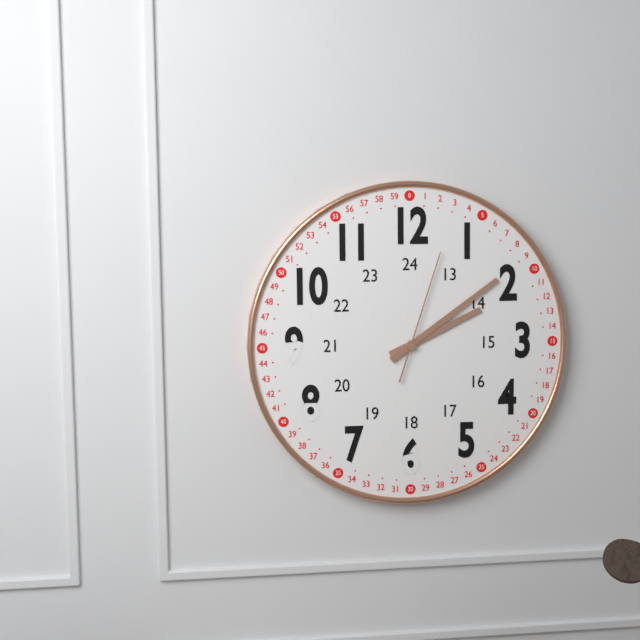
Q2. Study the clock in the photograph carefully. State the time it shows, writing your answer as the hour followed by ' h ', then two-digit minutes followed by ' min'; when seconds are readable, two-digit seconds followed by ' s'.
2 h 09 min 03 s
